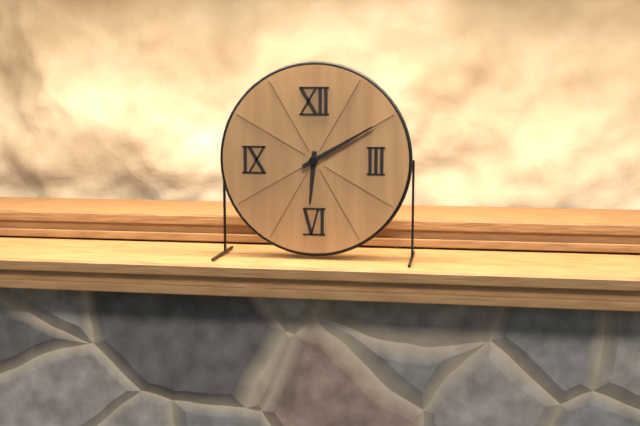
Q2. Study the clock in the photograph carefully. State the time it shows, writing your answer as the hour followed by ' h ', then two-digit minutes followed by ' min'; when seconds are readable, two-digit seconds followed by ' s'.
6 h 10 min
